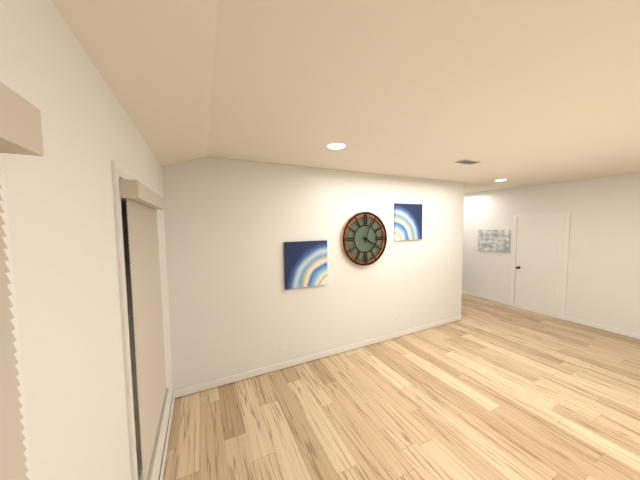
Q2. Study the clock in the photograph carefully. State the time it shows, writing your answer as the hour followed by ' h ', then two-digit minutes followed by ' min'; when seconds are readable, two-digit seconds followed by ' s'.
4 h 03 min
